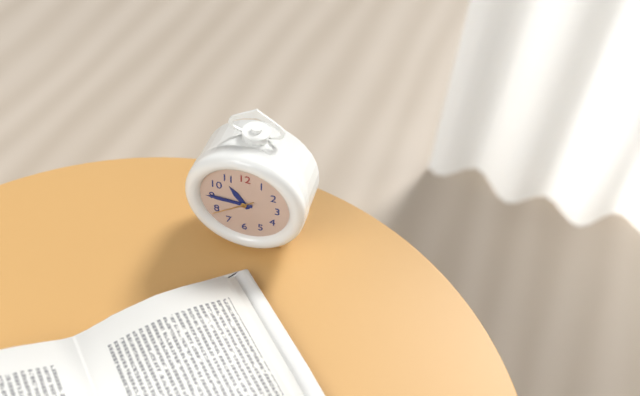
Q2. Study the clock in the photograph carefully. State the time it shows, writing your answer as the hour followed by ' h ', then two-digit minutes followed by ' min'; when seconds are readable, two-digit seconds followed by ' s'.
10 h 45 min
